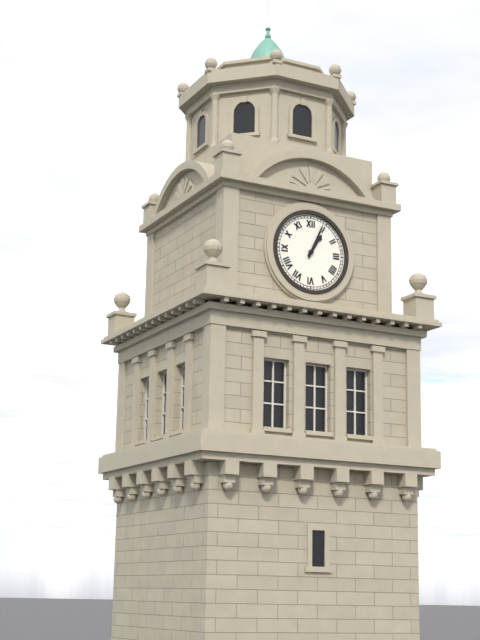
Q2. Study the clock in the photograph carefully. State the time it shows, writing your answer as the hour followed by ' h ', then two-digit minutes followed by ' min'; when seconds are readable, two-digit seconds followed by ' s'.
1 h 04 min
